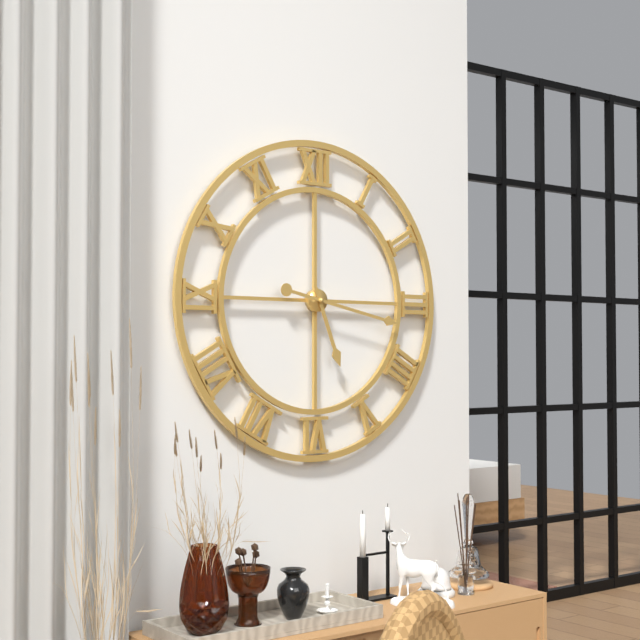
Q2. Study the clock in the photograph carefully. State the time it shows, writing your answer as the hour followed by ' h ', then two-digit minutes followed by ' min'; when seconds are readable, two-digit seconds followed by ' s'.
5 h 17 min
